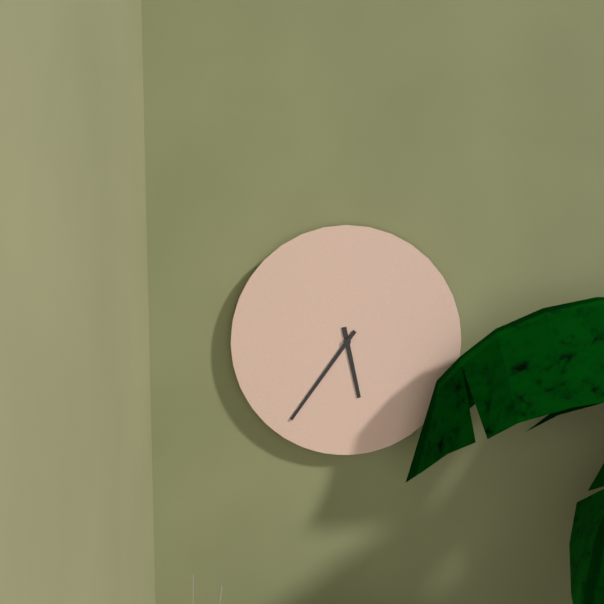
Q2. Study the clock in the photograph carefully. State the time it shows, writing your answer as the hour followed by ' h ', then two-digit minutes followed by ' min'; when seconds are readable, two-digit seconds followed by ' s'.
5 h 36 min
